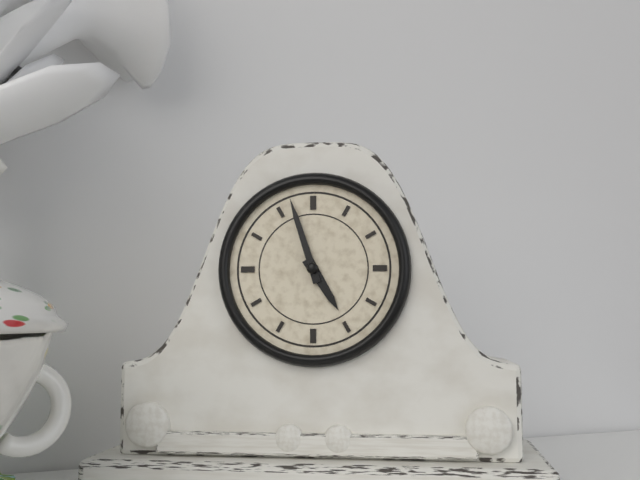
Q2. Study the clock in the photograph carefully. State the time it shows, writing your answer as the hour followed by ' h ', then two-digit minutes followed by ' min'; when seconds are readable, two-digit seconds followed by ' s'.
4 h 57 min
